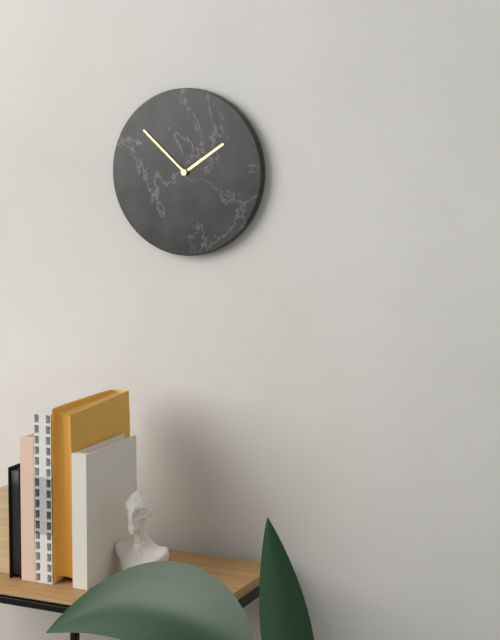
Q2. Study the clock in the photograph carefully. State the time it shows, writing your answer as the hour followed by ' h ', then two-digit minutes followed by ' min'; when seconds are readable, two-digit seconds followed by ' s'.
1 h 52 min
